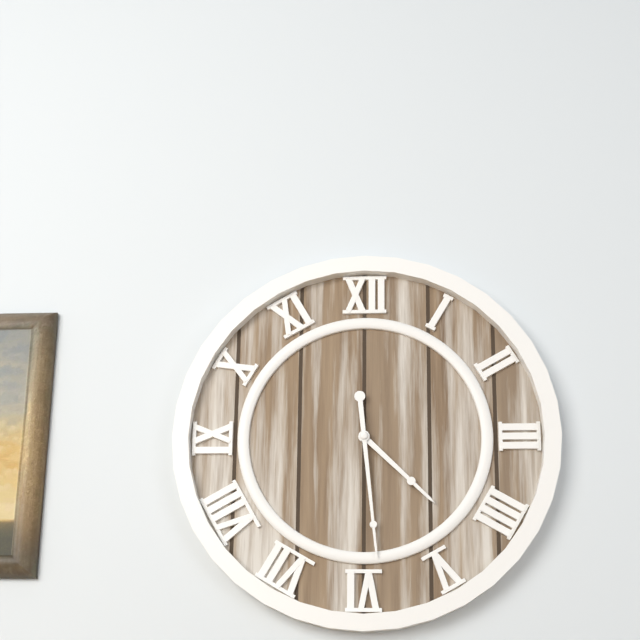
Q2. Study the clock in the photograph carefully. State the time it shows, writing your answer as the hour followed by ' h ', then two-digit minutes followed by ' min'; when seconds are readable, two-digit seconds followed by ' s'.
4 h 29 min
